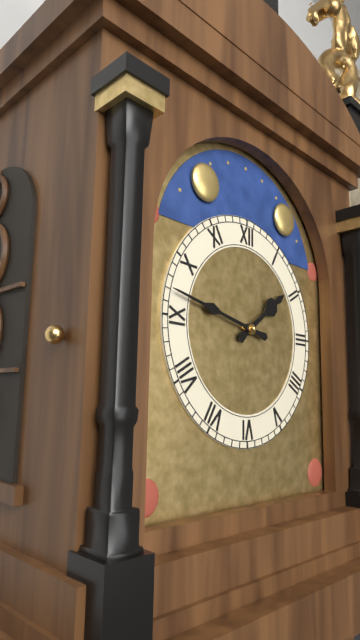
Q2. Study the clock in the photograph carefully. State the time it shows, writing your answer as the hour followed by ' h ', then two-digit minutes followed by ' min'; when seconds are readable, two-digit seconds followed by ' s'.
1 h 47 min
